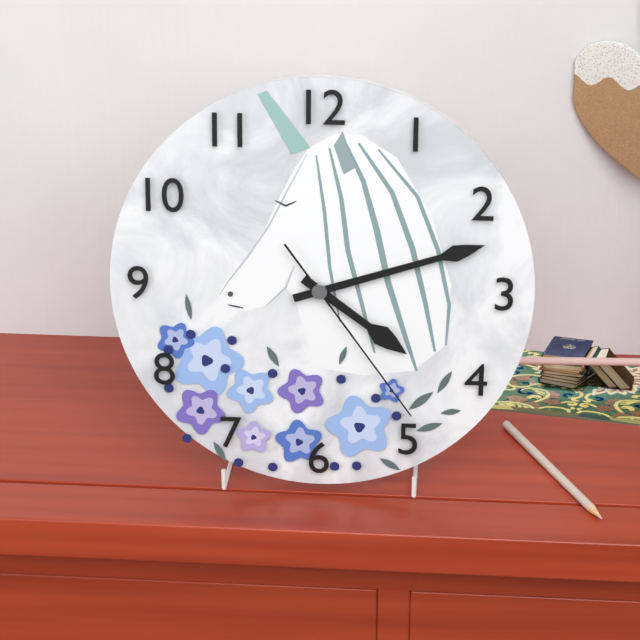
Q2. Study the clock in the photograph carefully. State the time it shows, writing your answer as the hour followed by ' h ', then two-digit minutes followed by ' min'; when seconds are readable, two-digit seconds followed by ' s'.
4 h 12 min 24 s
